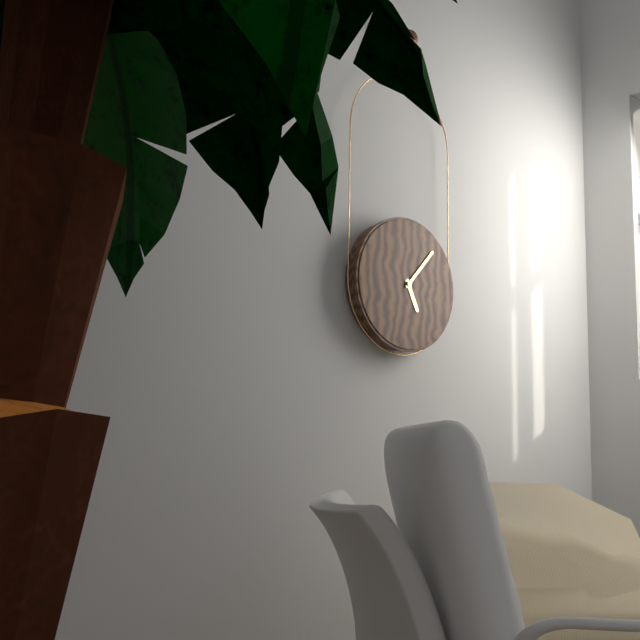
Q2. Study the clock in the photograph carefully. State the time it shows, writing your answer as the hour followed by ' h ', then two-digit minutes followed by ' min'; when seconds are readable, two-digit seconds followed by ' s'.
5 h 07 min
